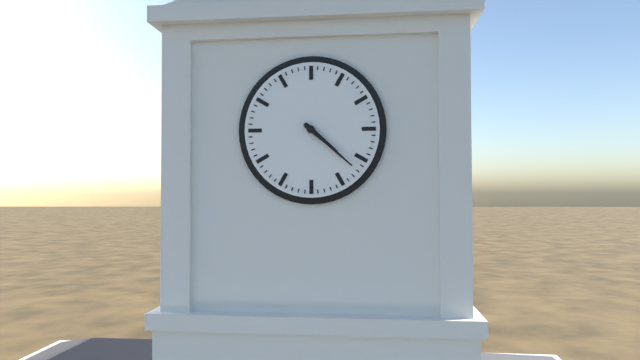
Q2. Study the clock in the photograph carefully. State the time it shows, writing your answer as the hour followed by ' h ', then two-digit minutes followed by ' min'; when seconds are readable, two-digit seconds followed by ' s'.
4 h 22 min
